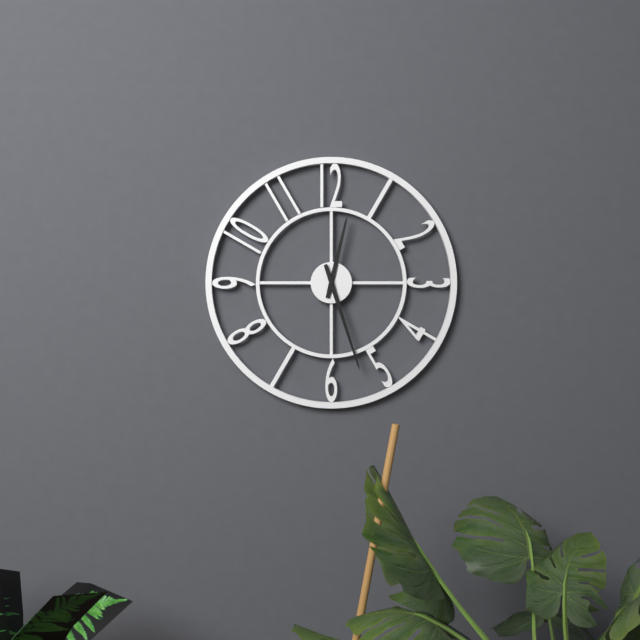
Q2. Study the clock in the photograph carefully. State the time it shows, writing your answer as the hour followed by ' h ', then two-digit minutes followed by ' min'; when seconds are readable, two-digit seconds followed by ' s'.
12 h 27 min
